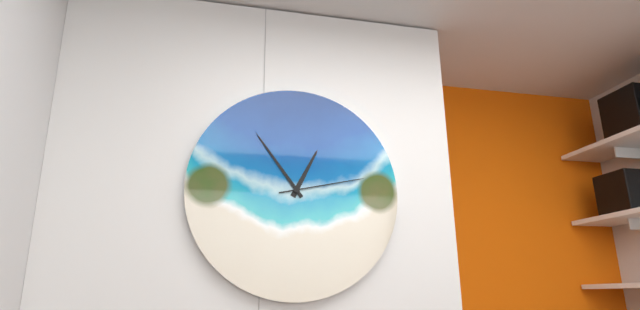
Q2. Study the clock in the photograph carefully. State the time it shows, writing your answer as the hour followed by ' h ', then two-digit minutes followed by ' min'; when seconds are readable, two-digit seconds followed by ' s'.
12 h 54 min 13 s
